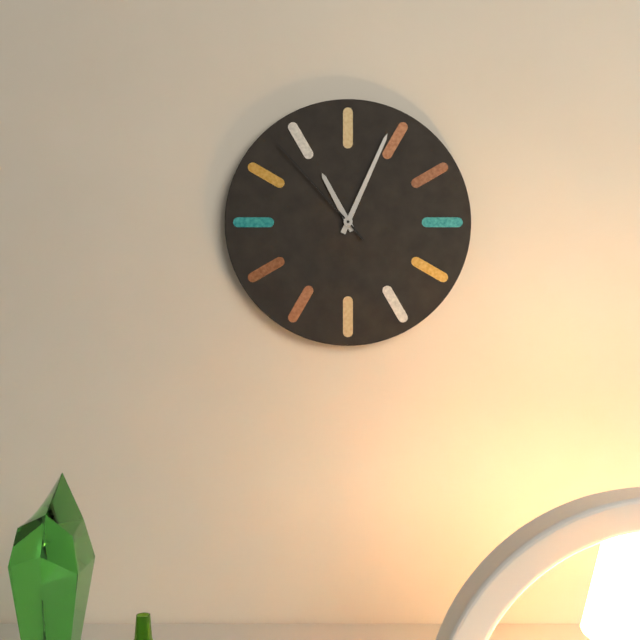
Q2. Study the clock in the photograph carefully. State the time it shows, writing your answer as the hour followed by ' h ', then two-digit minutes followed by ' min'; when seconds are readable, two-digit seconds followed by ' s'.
11 h 04 min 53 s
